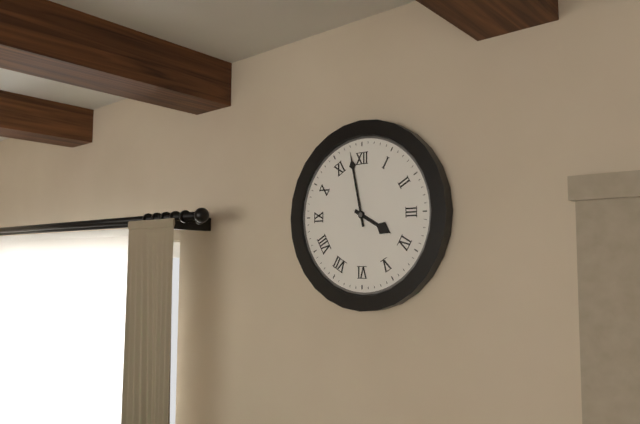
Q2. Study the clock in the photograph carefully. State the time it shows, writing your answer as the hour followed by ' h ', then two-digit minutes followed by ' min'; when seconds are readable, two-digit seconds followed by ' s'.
3 h 58 min
